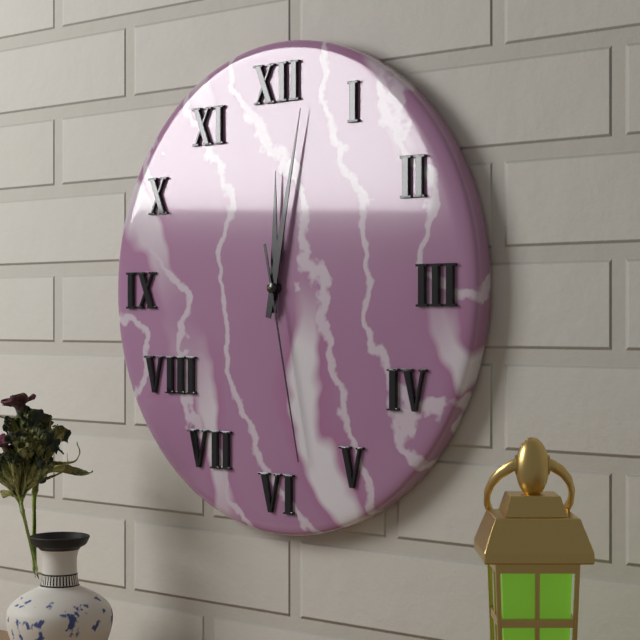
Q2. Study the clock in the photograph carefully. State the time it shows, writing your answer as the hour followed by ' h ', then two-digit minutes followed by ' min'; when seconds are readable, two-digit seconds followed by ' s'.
12 h 02 min 28 s
